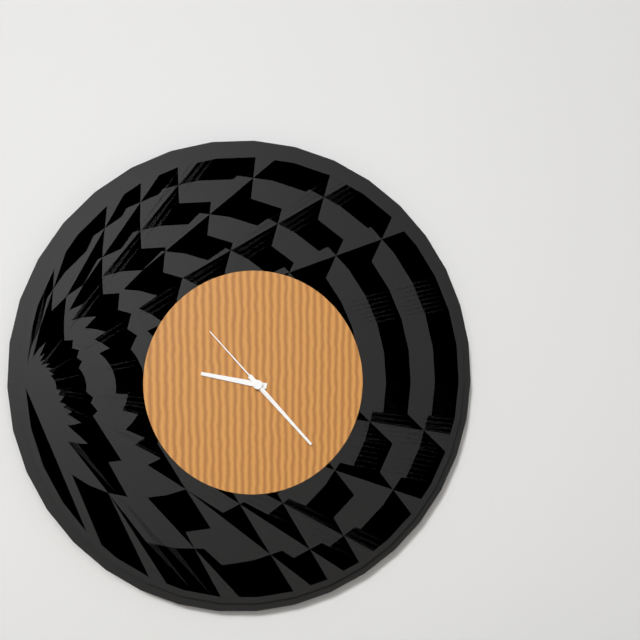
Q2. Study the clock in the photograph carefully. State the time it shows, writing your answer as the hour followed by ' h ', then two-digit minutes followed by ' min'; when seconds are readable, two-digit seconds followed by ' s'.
9 h 23 min 53 s
